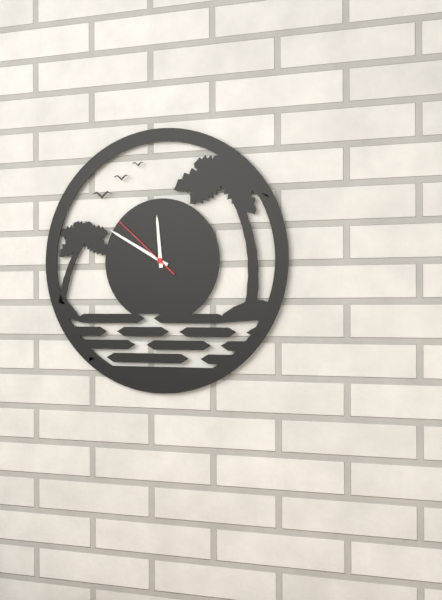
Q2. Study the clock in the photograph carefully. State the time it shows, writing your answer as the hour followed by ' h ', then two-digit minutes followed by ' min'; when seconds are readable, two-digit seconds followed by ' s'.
11 h 50 min 52 s
